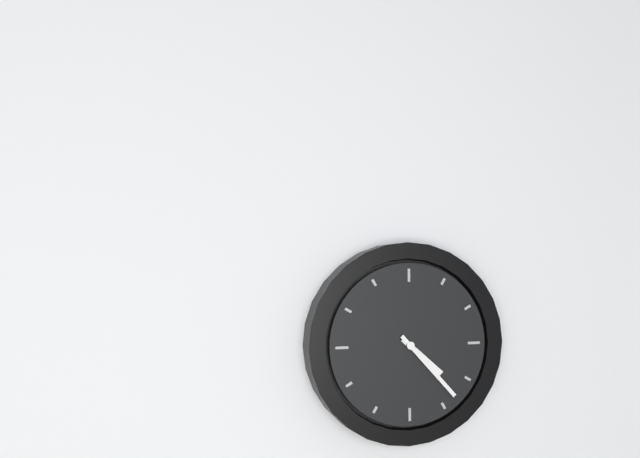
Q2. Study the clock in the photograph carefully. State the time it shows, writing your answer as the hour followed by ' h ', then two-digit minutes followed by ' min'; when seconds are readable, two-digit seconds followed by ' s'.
4 h 23 min
